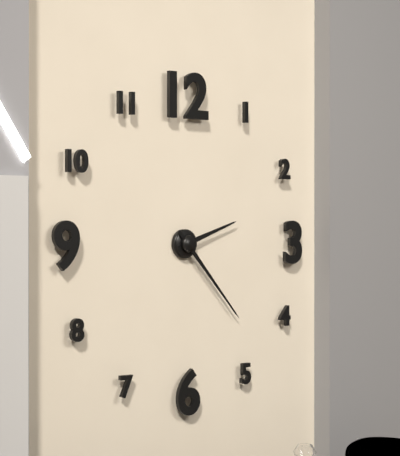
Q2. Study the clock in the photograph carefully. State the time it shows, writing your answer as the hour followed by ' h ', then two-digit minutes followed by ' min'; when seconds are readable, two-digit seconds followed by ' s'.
2 h 23 min
